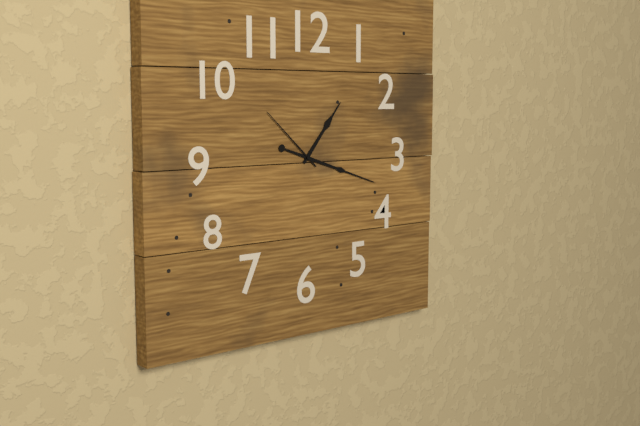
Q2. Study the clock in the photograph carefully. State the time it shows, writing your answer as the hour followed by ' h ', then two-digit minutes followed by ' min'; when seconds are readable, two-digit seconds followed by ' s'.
1 h 18 min 52 s
